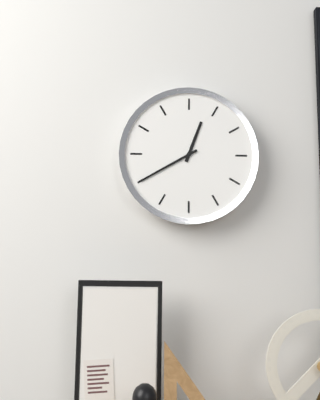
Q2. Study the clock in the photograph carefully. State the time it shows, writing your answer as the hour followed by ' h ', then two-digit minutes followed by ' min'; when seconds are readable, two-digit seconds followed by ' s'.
12 h 40 min
